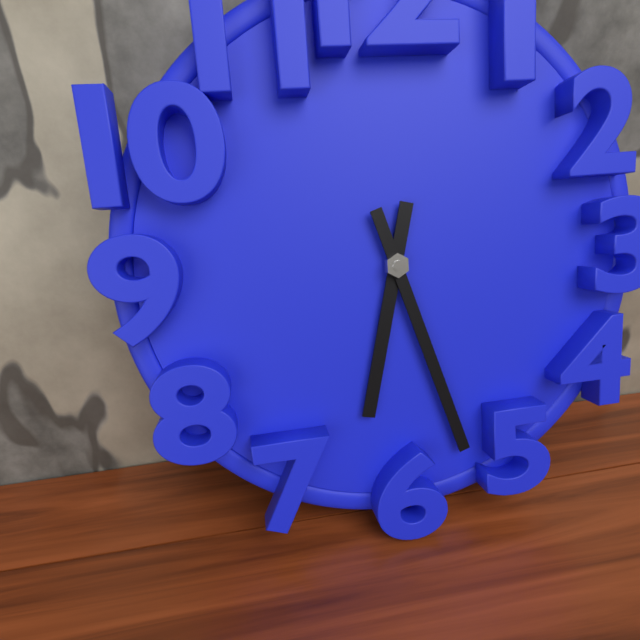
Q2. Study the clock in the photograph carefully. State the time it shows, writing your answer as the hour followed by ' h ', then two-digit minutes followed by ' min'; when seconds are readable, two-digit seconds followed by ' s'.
6 h 27 min
